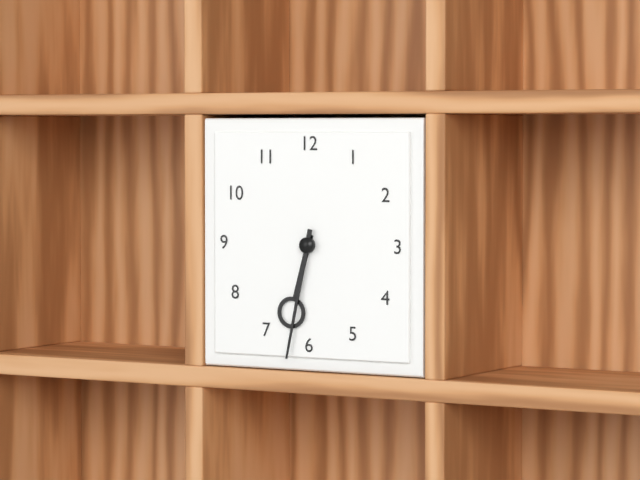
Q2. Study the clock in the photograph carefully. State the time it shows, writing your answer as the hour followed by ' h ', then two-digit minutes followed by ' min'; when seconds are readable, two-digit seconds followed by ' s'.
6 h 32 min
